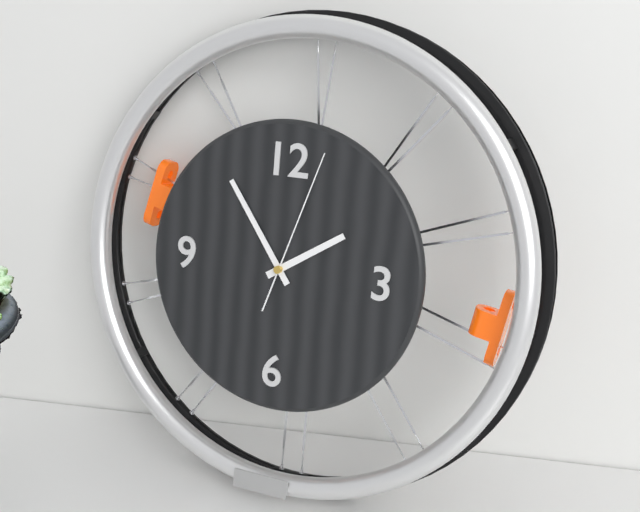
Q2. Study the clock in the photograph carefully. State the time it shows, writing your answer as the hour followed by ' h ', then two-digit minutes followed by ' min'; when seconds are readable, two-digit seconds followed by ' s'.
1 h 54 min 03 s
